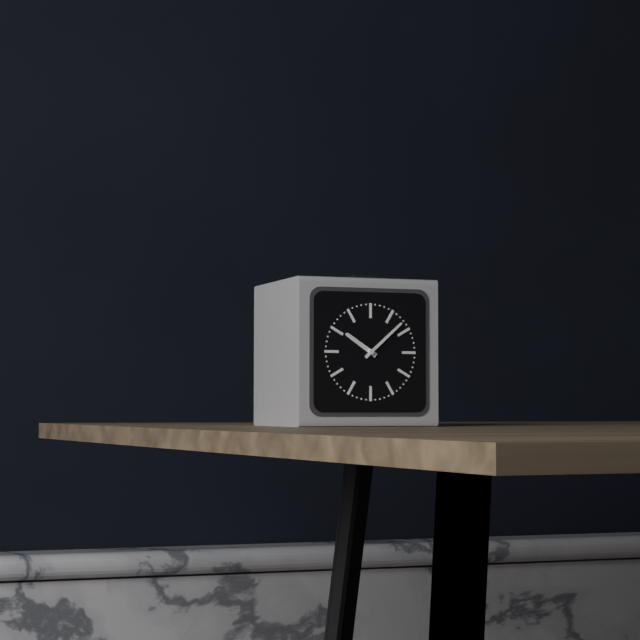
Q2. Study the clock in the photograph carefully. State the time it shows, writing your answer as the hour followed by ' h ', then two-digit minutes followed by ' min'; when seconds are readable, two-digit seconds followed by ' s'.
10 h 08 min
